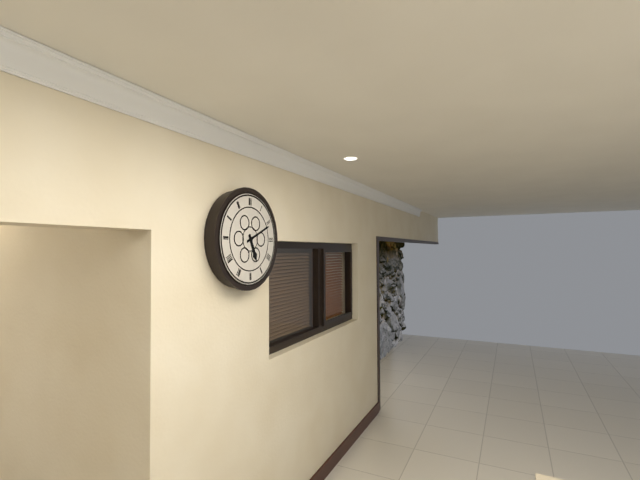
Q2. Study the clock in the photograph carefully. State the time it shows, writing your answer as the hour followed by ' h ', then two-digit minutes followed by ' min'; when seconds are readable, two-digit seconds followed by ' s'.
5 h 11 min
